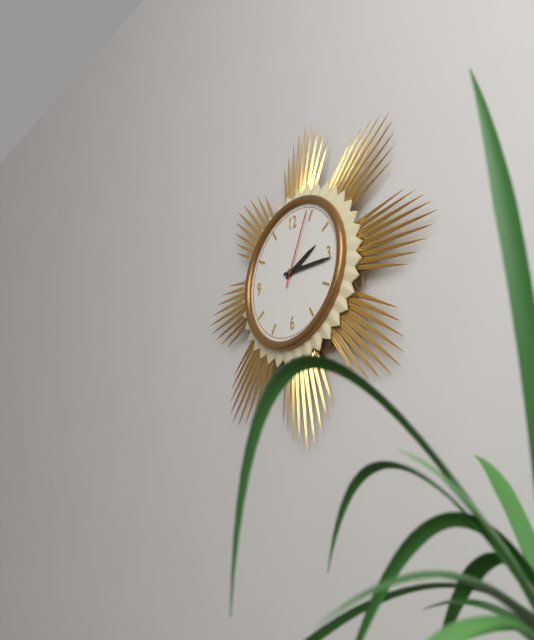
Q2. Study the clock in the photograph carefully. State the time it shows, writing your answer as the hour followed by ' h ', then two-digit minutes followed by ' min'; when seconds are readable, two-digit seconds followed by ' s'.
2 h 16 min 04 s
